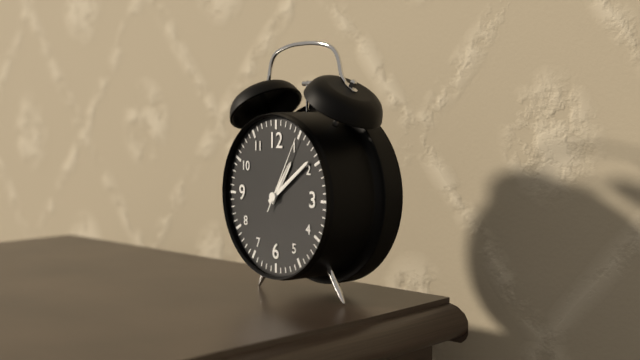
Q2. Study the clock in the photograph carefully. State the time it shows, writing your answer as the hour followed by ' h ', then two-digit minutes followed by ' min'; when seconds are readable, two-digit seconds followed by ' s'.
1 h 09 min 05 s
